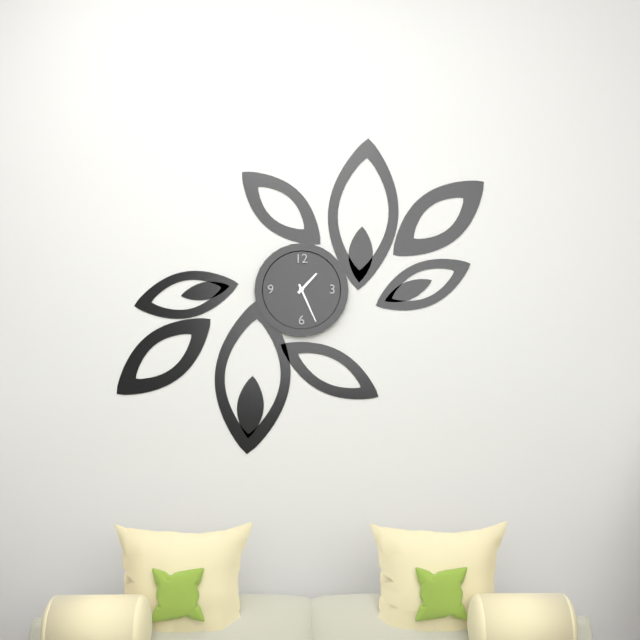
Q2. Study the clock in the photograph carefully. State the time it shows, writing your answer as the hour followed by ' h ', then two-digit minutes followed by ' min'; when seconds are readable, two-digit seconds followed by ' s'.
1 h 26 min
